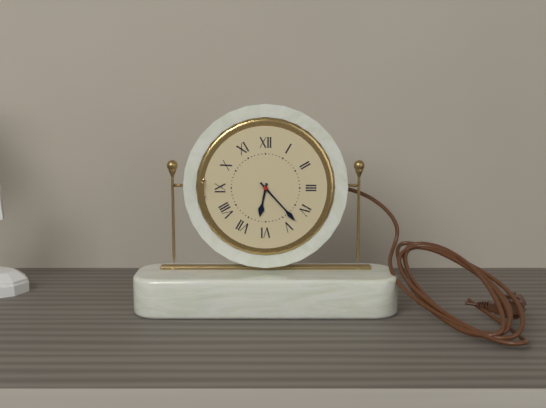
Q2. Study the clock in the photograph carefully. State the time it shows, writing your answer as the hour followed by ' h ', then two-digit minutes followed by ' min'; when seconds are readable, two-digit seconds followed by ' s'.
6 h 23 min
